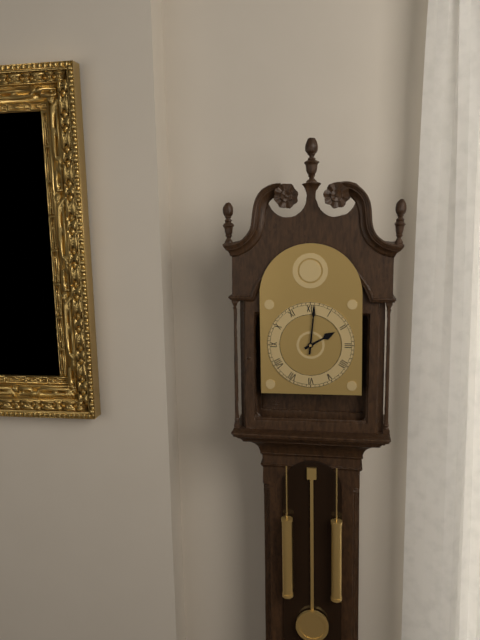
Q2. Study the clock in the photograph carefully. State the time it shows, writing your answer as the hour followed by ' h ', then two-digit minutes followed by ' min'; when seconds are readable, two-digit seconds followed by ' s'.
2 h 01 min
